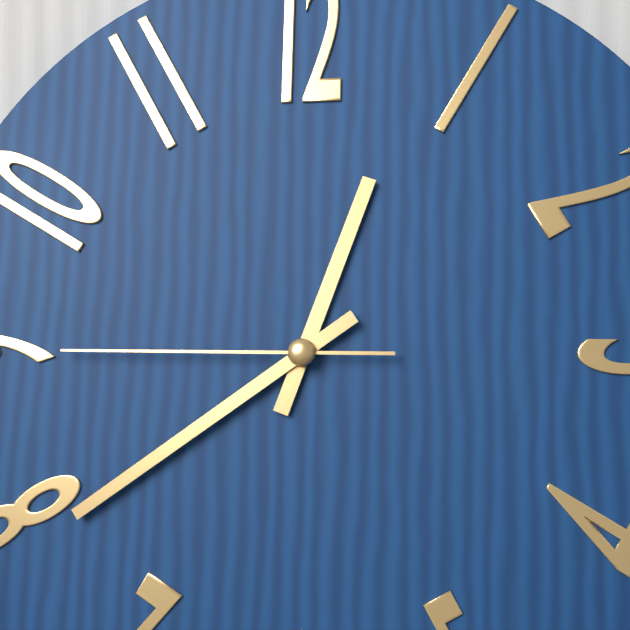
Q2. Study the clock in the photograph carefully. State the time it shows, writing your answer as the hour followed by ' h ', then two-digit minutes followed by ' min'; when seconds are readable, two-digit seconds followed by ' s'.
12 h 39 min 45 s
